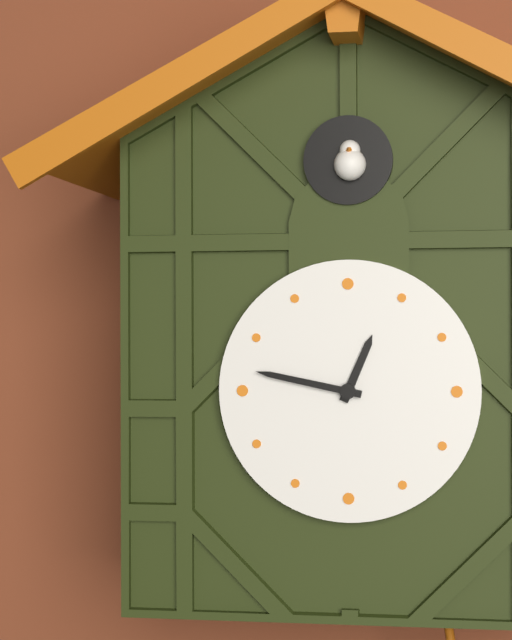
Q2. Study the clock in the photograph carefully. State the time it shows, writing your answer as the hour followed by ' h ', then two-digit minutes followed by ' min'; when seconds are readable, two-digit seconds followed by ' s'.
12 h 47 min
